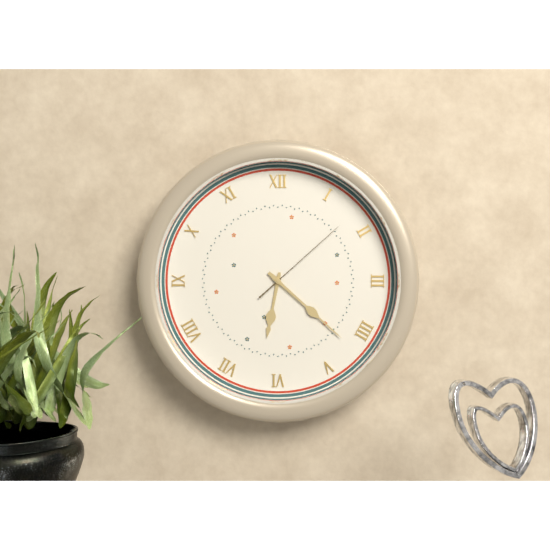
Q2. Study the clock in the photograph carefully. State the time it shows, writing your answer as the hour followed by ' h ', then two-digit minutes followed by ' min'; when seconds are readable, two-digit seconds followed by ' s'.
6 h 22 min 08 s
